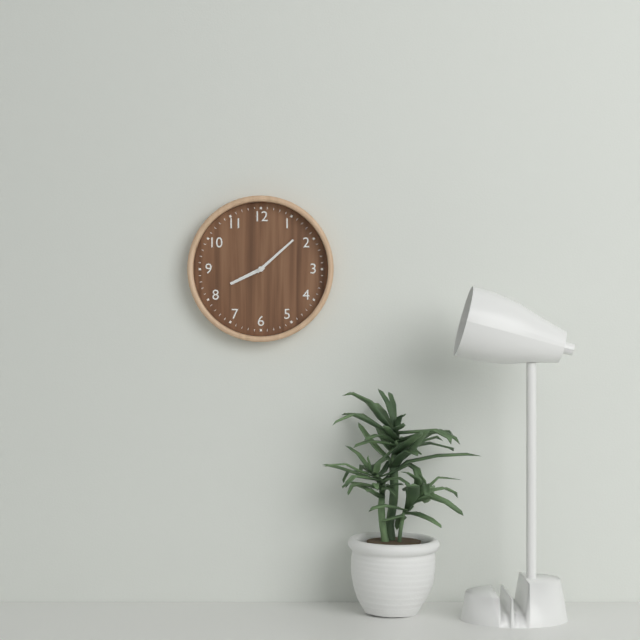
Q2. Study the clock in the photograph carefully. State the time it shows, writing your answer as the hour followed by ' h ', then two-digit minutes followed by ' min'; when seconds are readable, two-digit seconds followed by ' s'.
8 h 08 min
